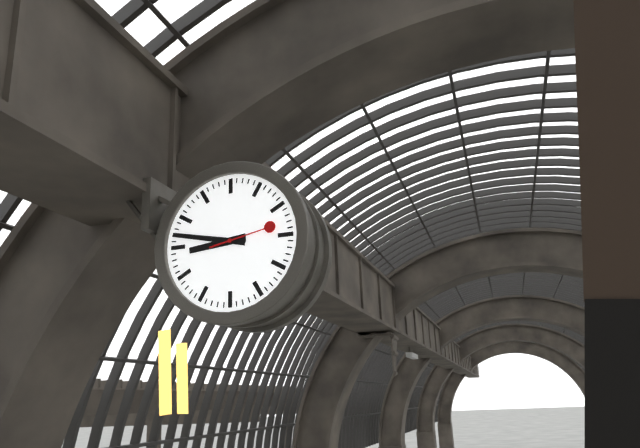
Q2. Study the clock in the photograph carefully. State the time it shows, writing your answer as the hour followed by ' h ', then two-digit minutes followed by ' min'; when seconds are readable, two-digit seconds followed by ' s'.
8 h 47 min 13 s
